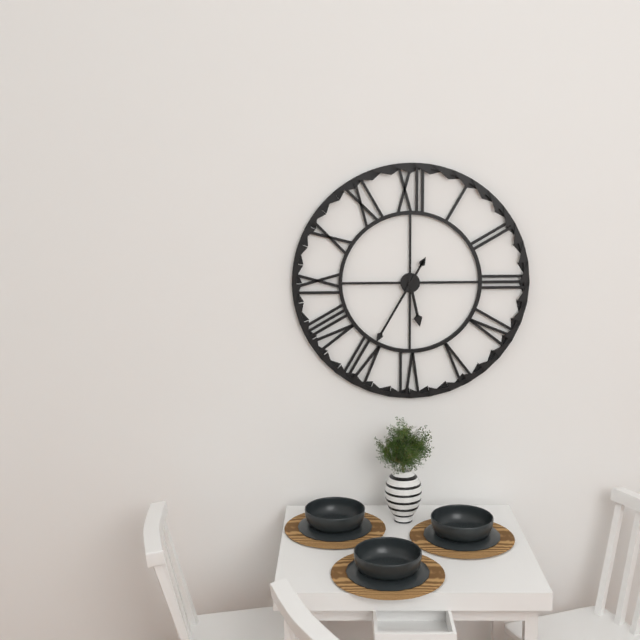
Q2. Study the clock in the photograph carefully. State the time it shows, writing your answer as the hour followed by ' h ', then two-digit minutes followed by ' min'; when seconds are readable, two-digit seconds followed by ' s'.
5 h 35 min
